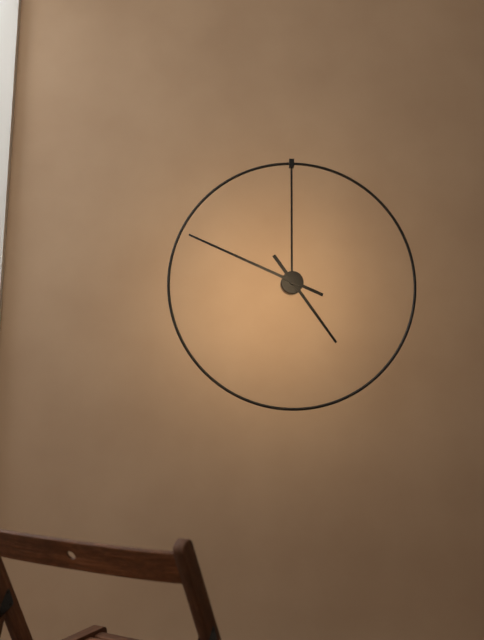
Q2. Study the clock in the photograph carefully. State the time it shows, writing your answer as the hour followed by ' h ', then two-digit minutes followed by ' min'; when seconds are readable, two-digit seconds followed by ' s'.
4 h 49 min
